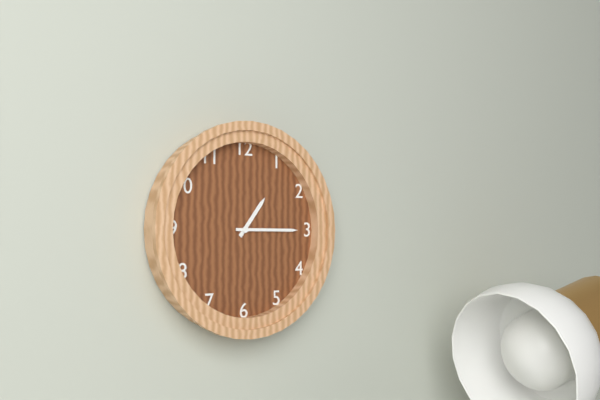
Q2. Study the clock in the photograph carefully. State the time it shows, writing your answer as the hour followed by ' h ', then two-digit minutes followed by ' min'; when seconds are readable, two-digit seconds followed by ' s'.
1 h 15 min
